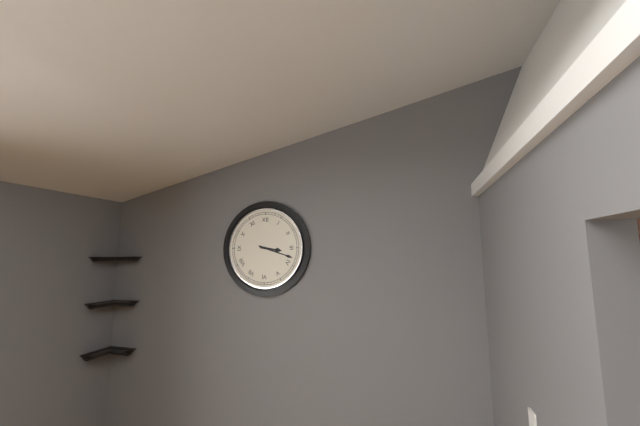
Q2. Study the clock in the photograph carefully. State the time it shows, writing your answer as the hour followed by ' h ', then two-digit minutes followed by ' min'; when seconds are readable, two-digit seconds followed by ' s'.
3 h 18 min
